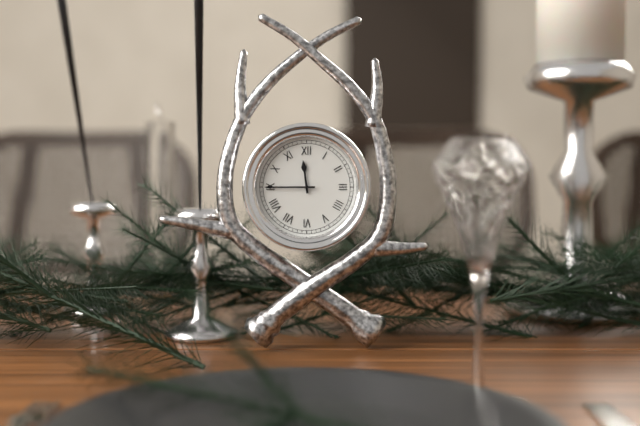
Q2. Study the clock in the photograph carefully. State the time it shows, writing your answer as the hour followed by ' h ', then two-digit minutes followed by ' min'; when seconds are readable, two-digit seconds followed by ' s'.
11 h 45 min
